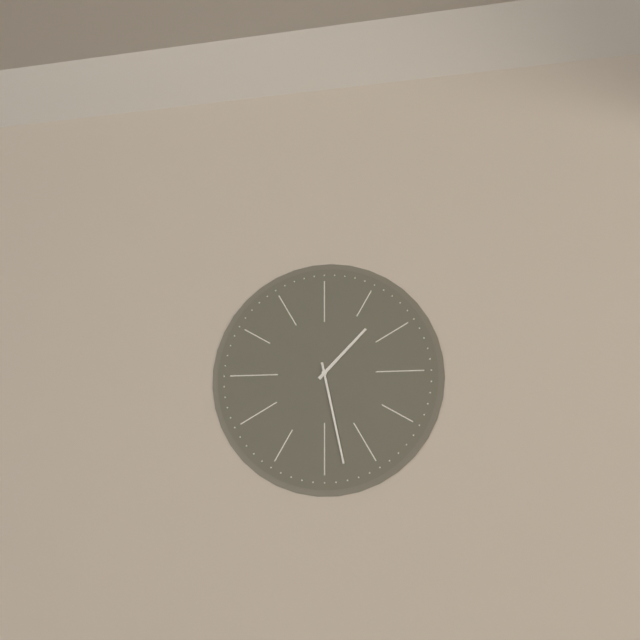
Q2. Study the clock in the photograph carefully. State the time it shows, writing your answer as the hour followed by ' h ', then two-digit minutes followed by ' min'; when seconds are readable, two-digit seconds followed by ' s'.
1 h 28 min
